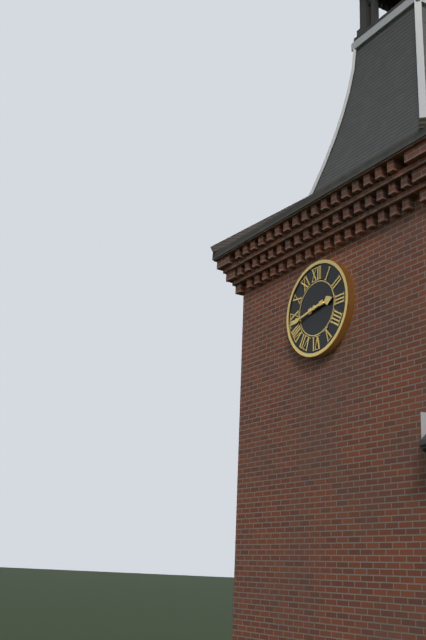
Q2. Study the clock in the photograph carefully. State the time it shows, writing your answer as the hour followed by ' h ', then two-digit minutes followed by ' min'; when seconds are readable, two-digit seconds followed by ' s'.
2 h 43 min
